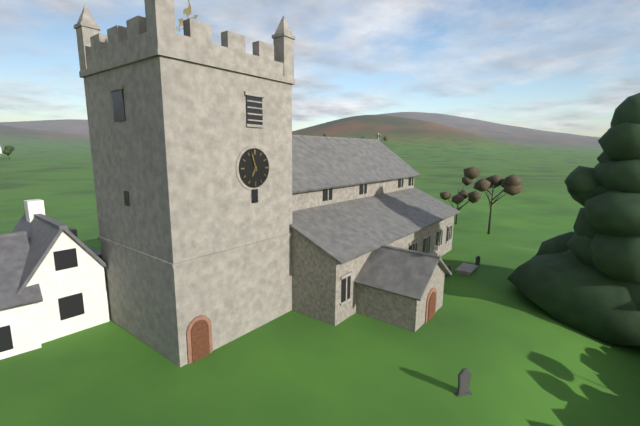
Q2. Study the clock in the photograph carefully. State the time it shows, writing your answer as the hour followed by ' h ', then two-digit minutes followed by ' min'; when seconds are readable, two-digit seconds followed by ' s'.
6 h 57 min
